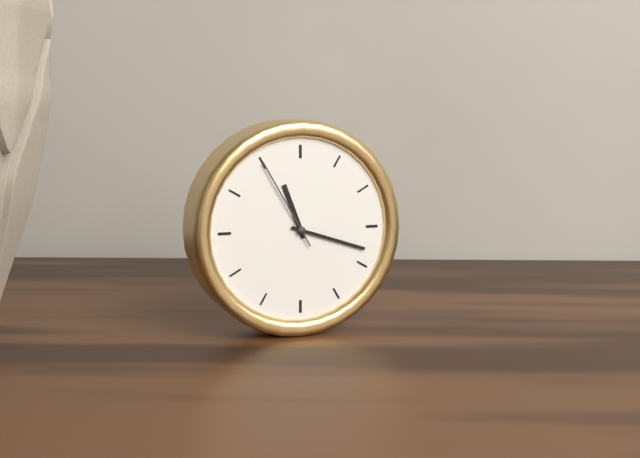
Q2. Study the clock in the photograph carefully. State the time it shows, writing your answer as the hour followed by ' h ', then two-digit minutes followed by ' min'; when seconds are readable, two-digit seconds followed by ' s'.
11 h 18 min 55 s
